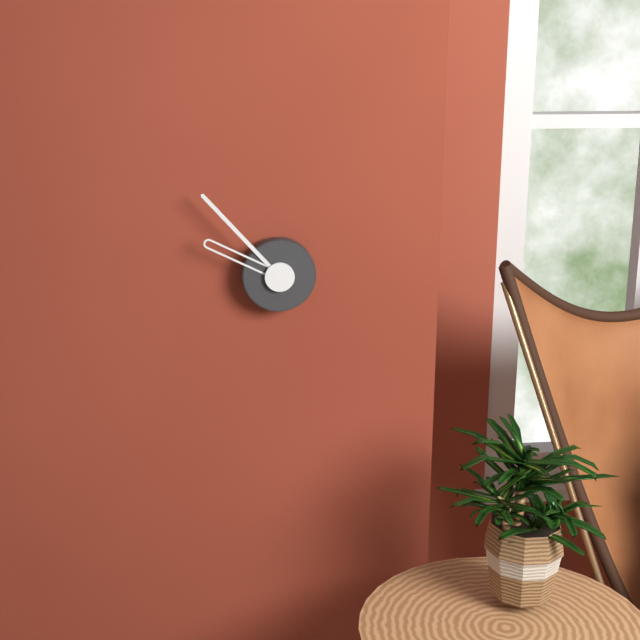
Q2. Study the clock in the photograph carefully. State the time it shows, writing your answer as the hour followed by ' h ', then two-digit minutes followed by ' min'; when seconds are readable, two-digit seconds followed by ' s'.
9 h 53 min
